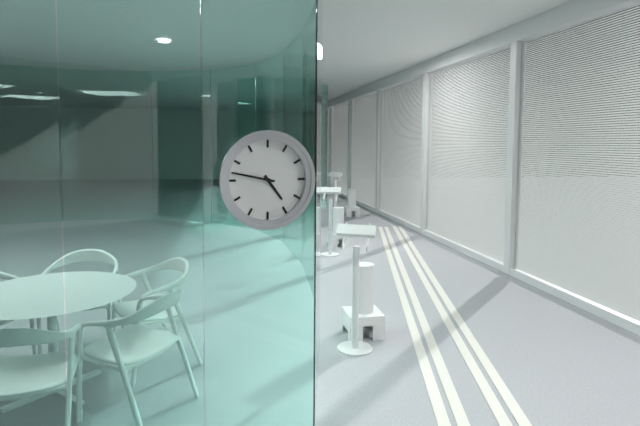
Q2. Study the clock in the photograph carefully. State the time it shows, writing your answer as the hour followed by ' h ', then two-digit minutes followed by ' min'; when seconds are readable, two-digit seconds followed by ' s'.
4 h 47 min
